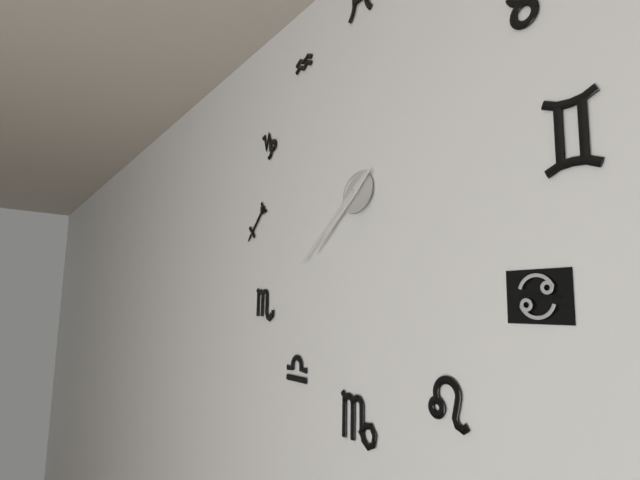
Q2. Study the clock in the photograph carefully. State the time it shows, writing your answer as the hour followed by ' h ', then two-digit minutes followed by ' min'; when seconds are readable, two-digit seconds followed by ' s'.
7 h 39 min
